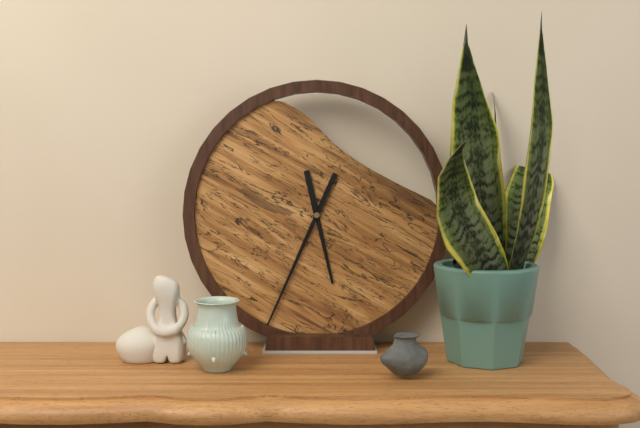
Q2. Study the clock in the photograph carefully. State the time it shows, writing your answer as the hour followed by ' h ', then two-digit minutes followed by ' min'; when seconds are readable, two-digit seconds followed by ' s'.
5 h 34 min
